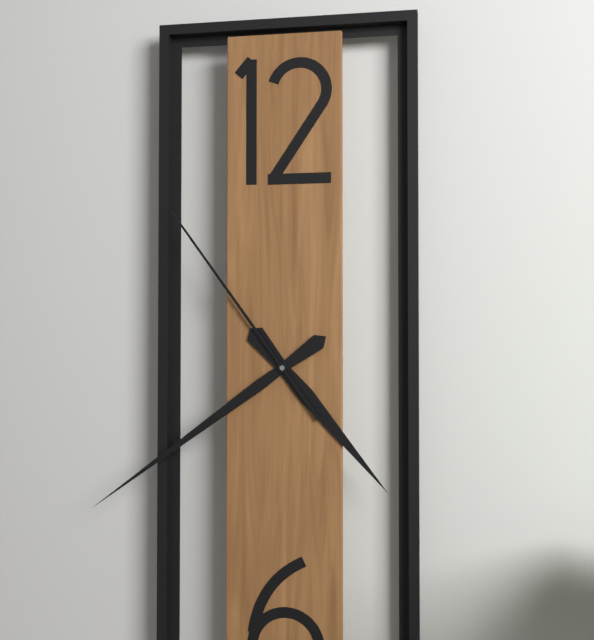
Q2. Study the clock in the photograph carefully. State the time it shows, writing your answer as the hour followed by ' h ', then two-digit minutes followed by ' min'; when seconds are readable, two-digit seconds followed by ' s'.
4 h 39 min 54 s
